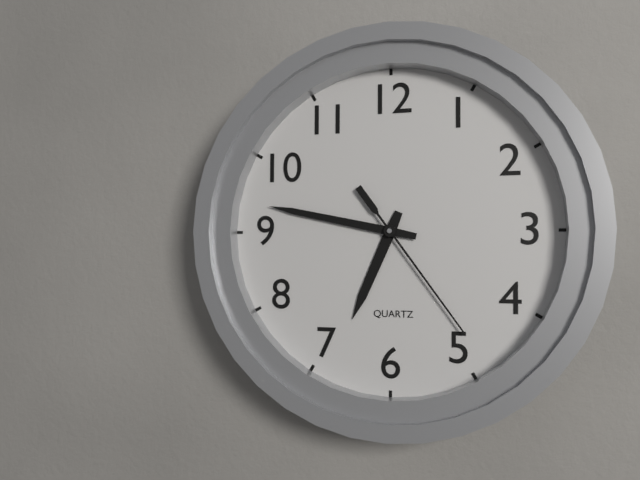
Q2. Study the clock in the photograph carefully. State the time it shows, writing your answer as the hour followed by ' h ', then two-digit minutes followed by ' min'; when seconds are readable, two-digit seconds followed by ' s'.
6 h 47 min 24 s
